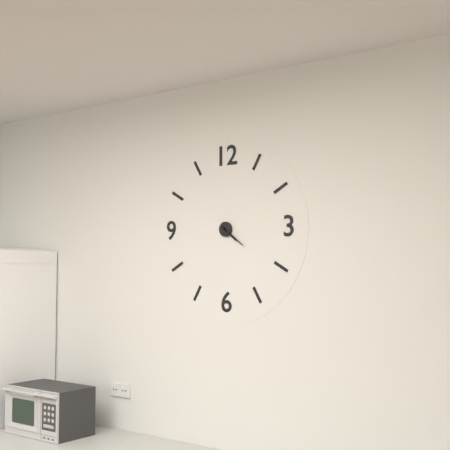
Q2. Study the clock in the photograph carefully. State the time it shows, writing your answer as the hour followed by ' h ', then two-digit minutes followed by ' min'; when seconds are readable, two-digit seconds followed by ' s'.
4 h 21 min
